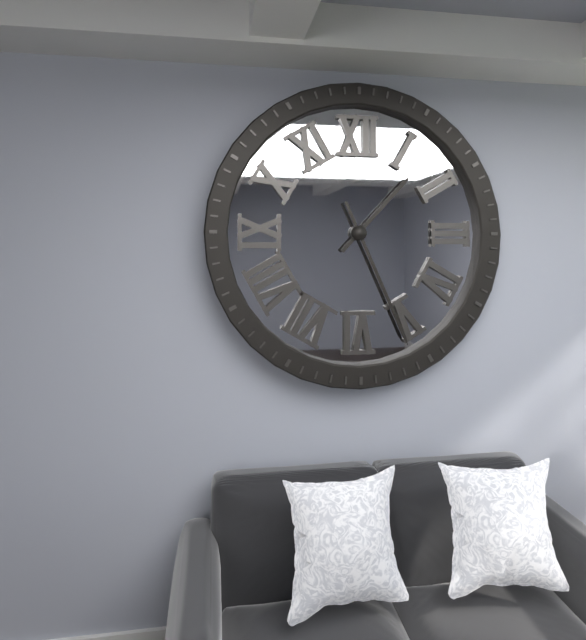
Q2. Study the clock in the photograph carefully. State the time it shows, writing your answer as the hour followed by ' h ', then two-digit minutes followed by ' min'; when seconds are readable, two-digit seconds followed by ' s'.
1 h 26 min
